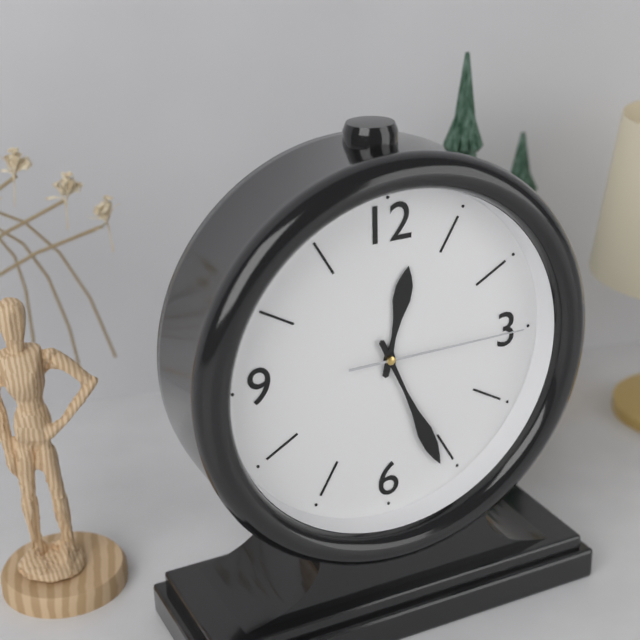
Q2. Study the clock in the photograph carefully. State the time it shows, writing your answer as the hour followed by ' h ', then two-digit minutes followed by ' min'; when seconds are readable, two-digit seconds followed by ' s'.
12 h 26 min 15 s
